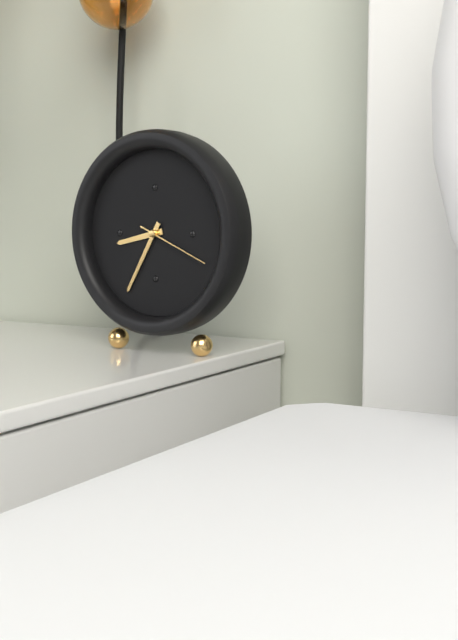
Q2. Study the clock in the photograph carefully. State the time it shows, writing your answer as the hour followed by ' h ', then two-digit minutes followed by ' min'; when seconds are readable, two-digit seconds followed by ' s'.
8 h 35 min 19 s
